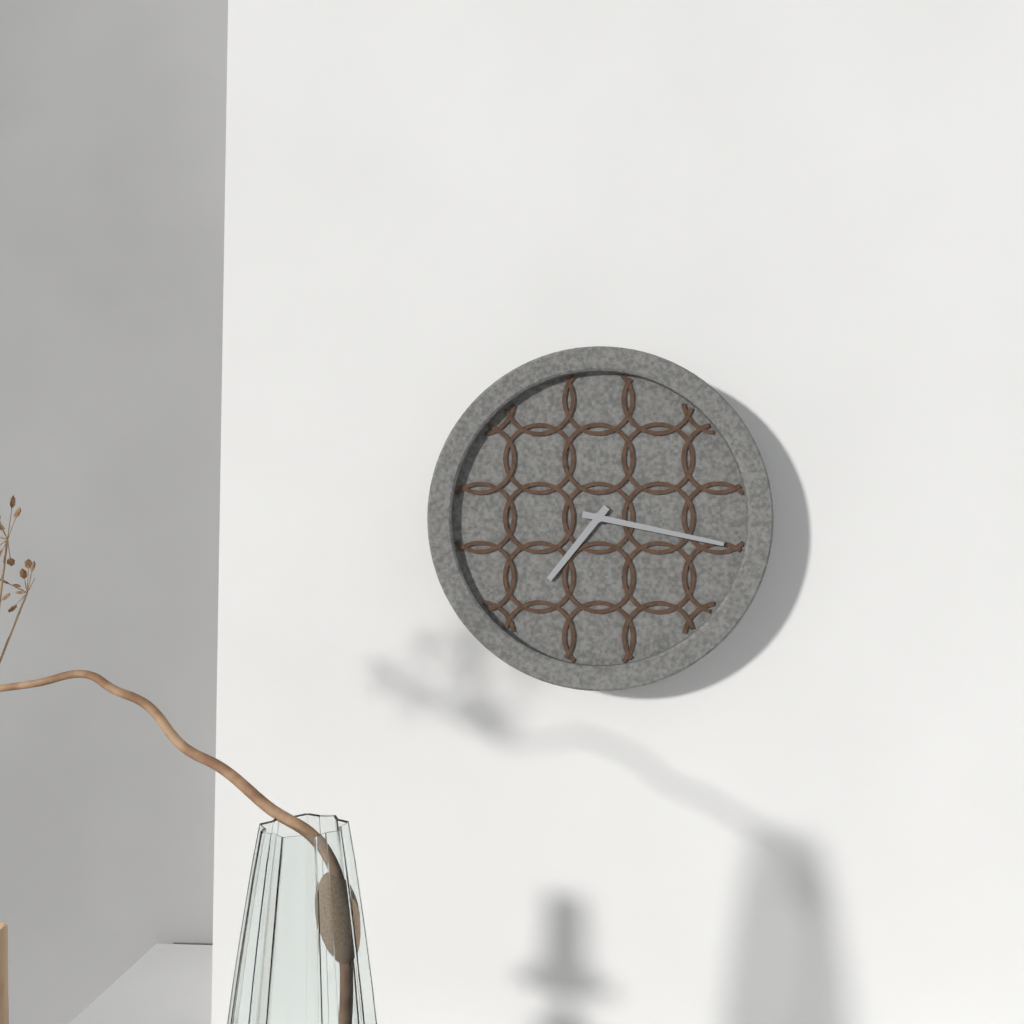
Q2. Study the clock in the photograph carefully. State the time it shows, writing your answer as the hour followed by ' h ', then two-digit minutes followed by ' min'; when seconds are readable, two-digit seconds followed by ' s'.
7 h 17 min
